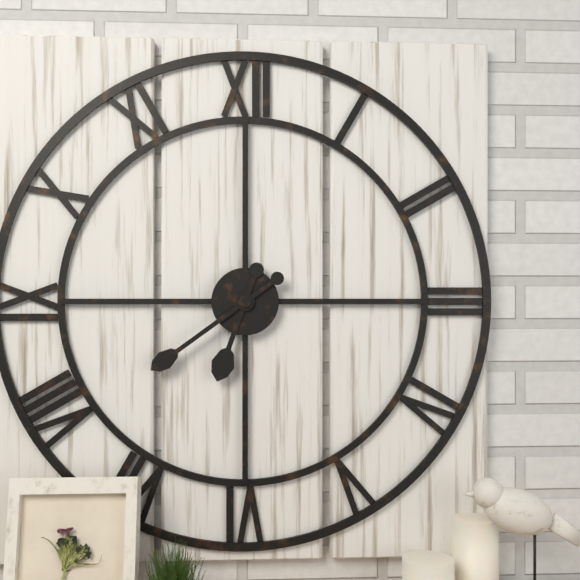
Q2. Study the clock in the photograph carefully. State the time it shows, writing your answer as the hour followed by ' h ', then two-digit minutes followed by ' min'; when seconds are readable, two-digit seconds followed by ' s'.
6 h 39 min
